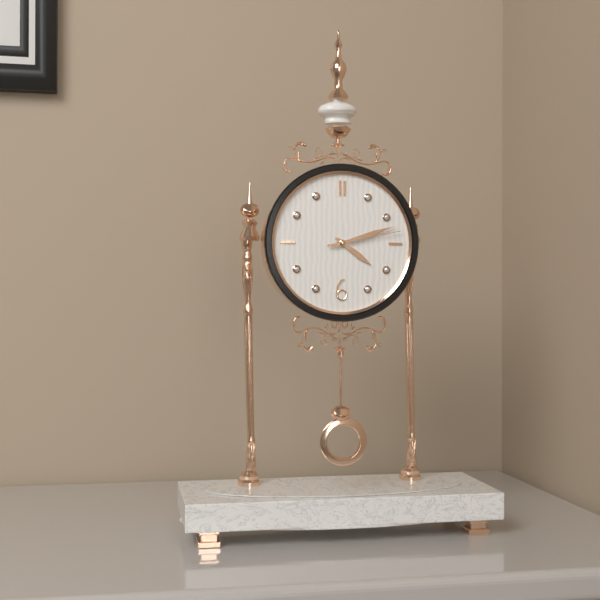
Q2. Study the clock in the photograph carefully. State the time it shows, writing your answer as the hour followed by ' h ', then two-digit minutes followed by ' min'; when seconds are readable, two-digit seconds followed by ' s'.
4 h 12 min 13 s
